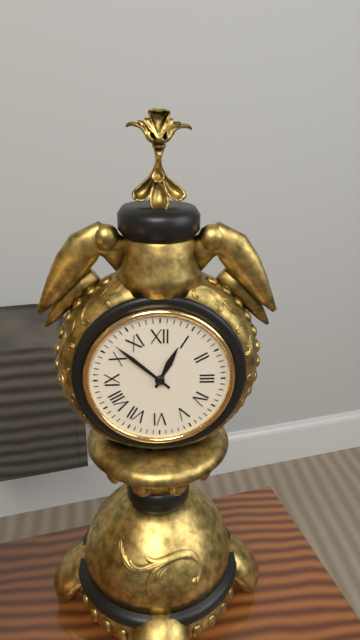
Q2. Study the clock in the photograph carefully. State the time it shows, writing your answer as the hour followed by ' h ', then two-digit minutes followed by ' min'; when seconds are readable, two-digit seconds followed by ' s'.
12 h 52 min
